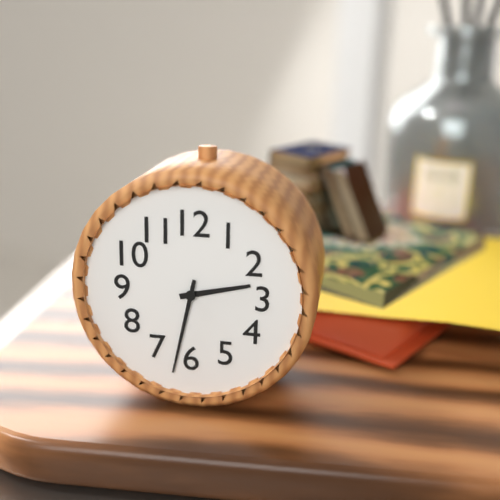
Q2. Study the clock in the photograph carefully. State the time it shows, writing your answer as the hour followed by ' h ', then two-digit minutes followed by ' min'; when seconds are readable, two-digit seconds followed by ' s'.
2 h 32 min
